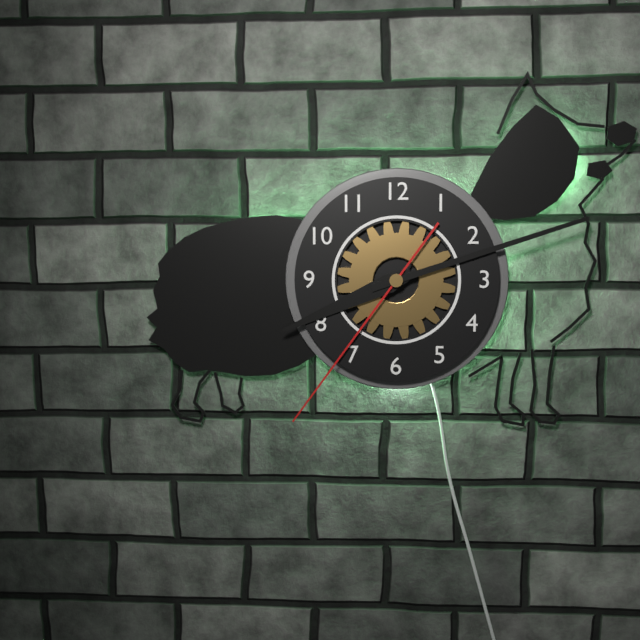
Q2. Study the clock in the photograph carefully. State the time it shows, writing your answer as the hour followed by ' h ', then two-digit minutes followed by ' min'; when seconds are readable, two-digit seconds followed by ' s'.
8 h 12 min 36 s
